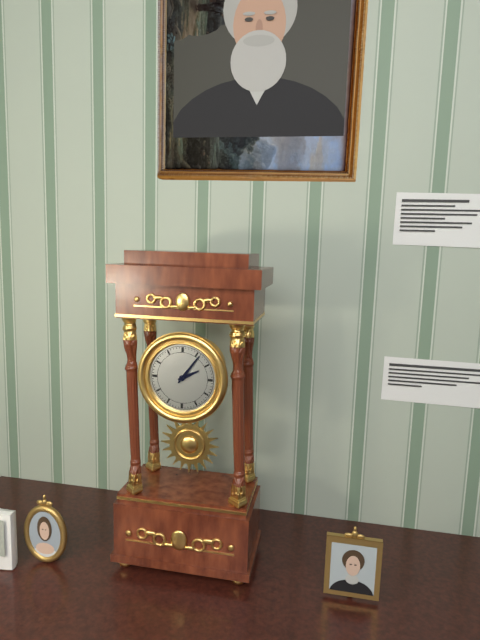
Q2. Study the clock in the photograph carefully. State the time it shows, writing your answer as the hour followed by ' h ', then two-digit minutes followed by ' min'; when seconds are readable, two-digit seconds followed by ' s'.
2 h 06 min
